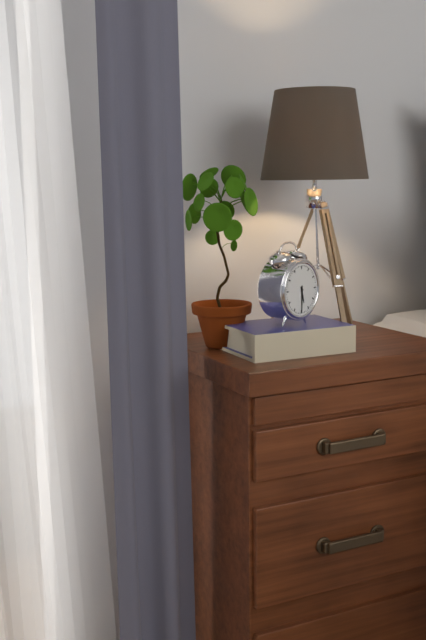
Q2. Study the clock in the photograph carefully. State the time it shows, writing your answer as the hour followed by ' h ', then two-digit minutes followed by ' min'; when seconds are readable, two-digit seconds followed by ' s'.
5 h 30 min
